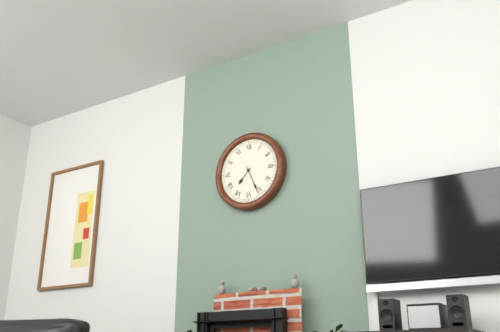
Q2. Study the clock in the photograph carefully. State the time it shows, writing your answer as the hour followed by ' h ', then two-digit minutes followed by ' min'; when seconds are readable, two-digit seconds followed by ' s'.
7 h 26 min
